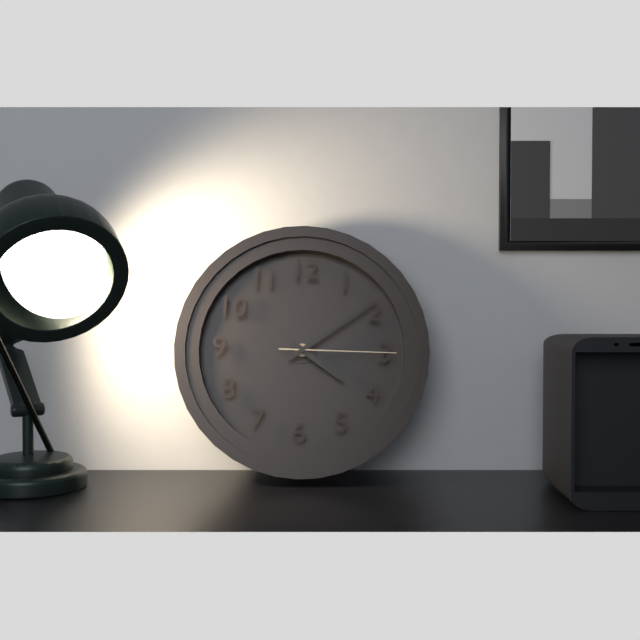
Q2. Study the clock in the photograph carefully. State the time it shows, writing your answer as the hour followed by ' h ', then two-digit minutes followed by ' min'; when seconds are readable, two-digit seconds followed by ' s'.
4 h 09 min 15 s
